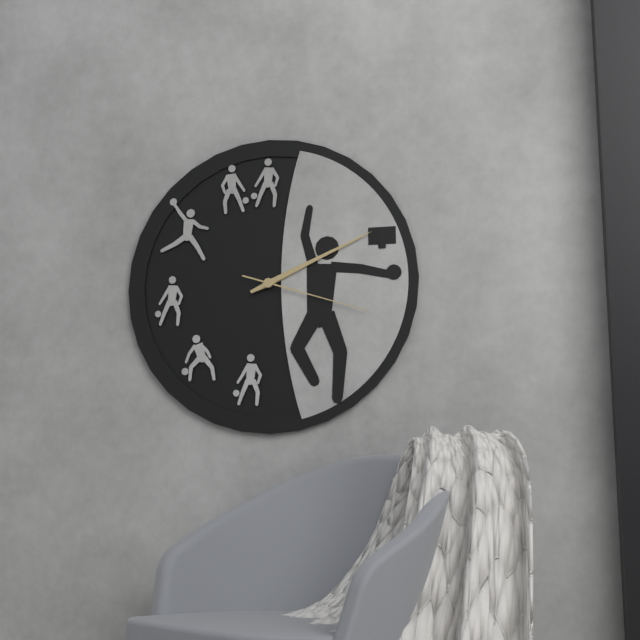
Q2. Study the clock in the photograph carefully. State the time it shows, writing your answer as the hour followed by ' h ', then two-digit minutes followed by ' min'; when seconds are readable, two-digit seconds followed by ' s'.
2 h 11 min 18 s
